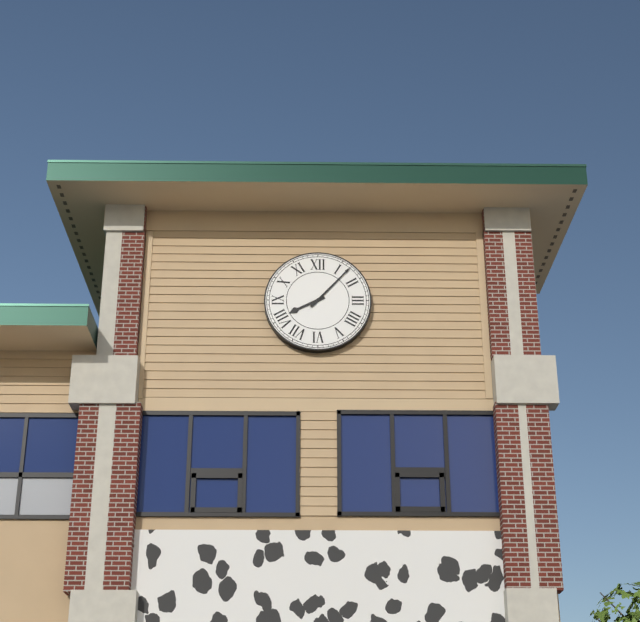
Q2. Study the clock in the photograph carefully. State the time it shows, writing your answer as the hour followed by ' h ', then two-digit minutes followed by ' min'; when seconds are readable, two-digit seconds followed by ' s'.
8 h 07 min
